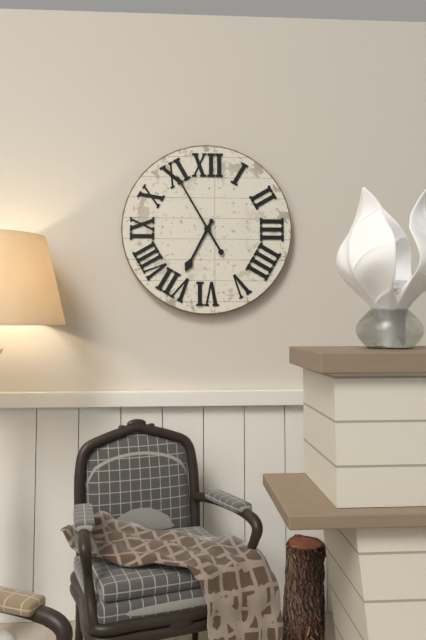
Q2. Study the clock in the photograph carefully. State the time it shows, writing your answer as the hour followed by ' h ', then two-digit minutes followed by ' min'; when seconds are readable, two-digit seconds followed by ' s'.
6 h 55 min
